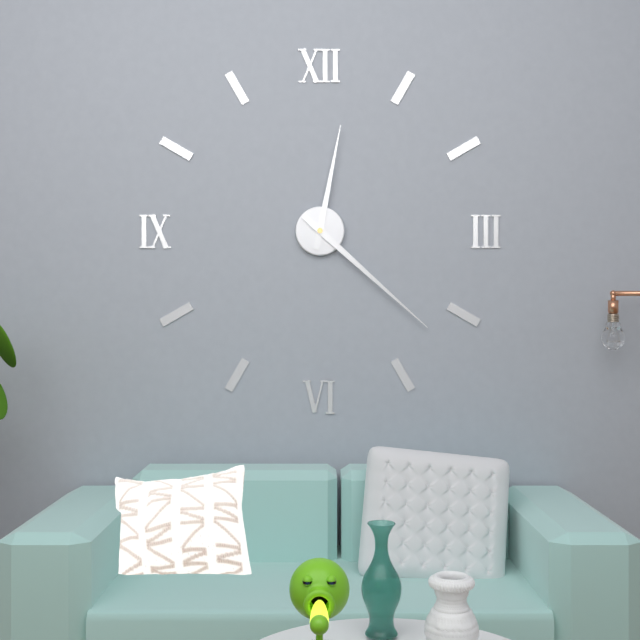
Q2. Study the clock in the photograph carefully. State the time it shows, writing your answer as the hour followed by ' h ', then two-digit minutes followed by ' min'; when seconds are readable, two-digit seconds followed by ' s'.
12 h 22 min
